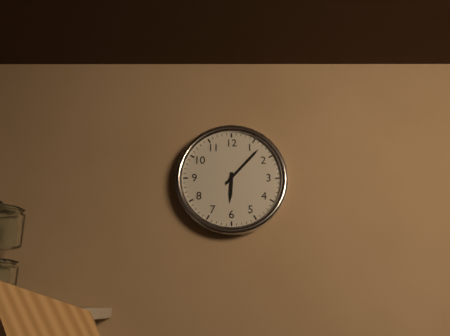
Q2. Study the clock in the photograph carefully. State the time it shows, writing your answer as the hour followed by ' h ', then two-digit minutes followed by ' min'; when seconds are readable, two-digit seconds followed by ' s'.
6 h 07 min
